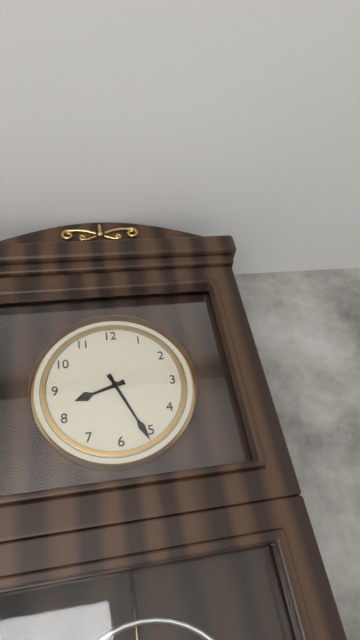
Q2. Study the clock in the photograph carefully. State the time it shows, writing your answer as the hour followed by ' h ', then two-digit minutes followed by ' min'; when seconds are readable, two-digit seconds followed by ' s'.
8 h 26 min
